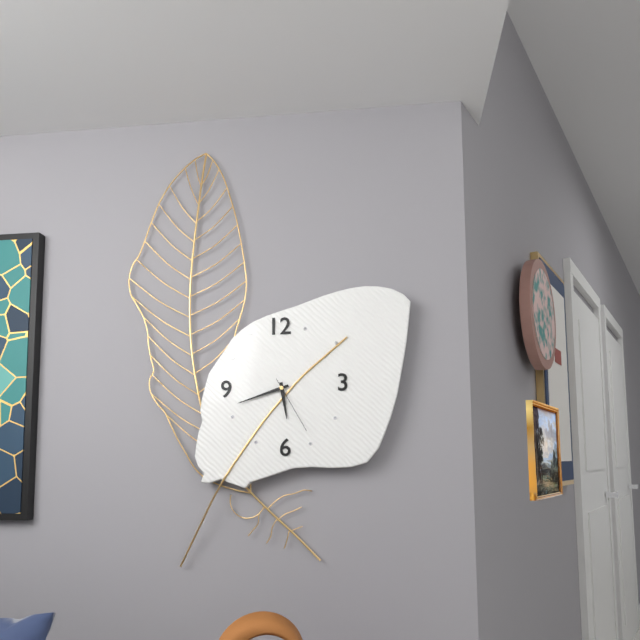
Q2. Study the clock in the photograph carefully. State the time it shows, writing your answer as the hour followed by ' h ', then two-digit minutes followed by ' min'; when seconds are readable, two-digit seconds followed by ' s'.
5 h 42 min 25 s
